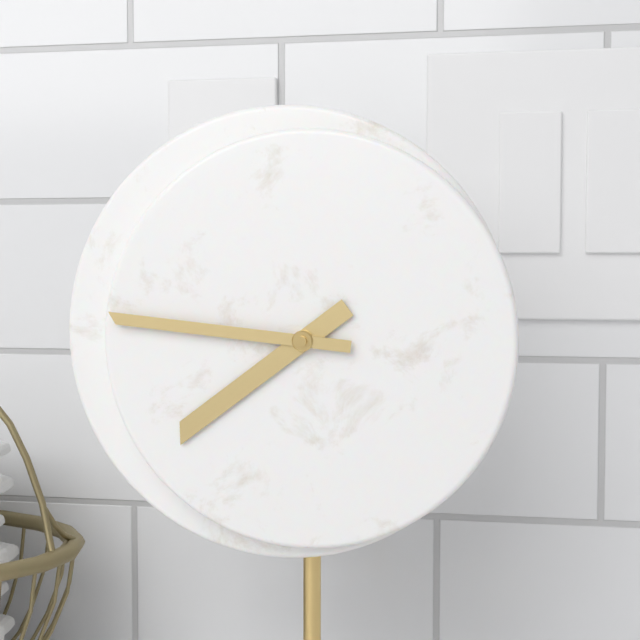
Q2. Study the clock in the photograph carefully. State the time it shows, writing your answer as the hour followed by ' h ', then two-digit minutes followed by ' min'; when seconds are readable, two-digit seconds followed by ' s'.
7 h 46 min
